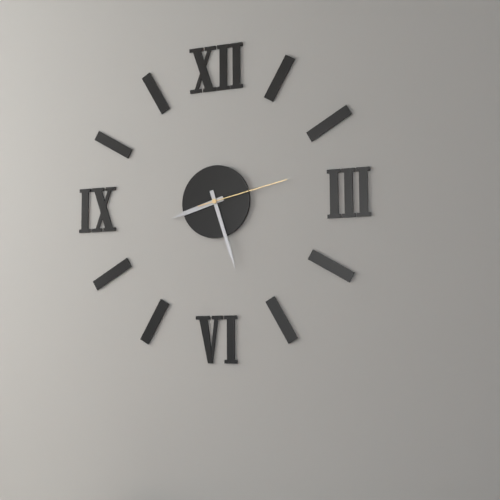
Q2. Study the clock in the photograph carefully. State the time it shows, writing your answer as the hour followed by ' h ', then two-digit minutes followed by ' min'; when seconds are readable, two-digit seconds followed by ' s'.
8 h 27 min 13 s
